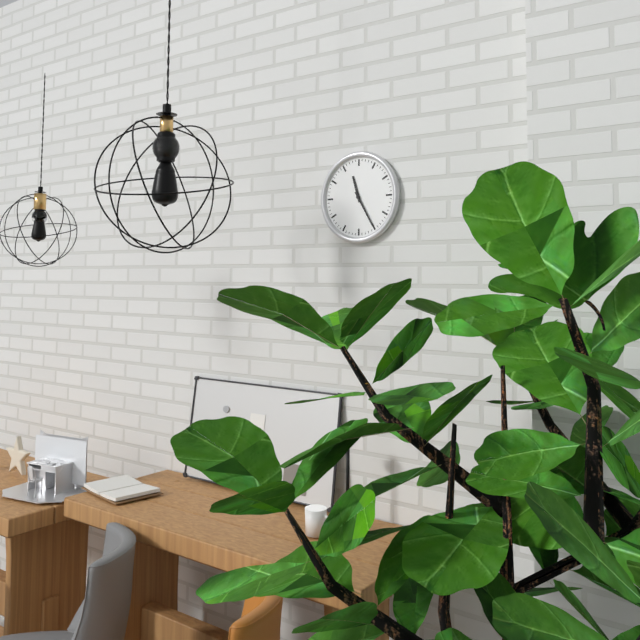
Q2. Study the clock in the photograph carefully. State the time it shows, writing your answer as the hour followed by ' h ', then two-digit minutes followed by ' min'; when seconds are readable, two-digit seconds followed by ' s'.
11 h 25 min
